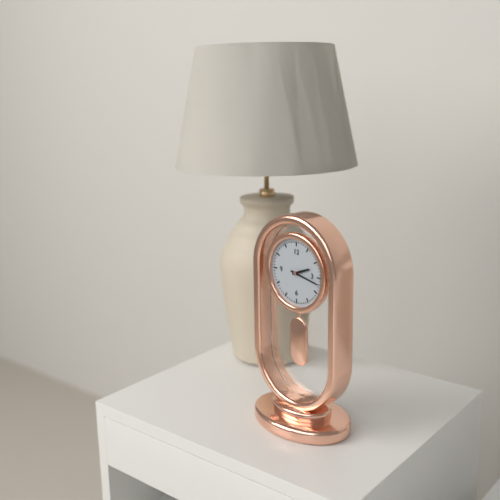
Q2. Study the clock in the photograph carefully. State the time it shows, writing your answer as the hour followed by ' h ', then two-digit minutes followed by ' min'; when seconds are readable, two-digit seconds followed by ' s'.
2 h 17 min
